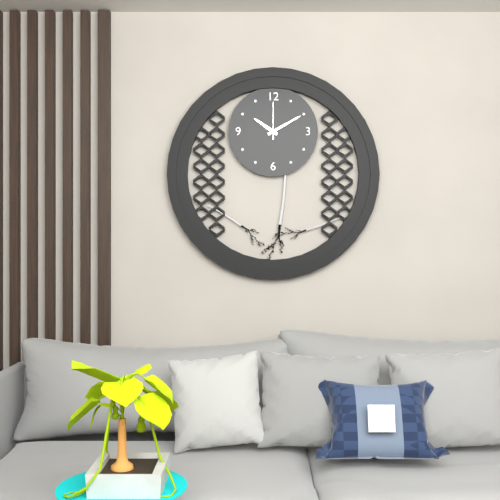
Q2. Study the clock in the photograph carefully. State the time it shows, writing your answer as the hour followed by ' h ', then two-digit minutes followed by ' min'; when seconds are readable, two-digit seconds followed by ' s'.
10 h 10 min
